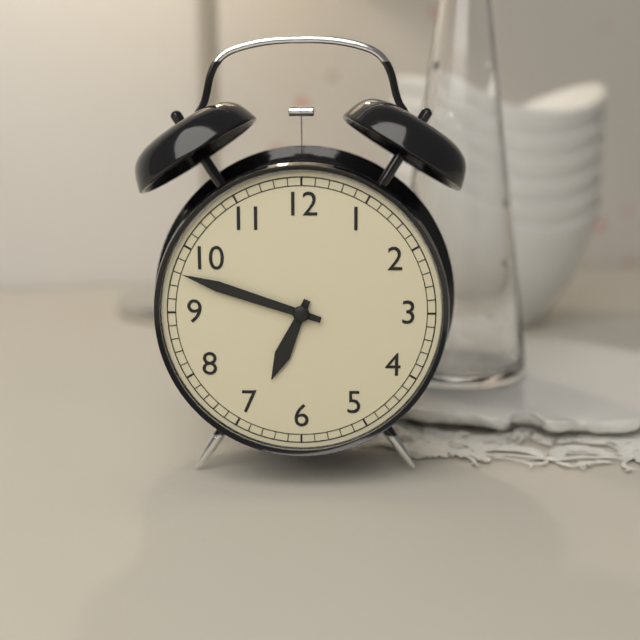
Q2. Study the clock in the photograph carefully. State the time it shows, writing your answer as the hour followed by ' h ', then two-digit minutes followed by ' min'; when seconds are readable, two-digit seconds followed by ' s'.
6 h 48 min
